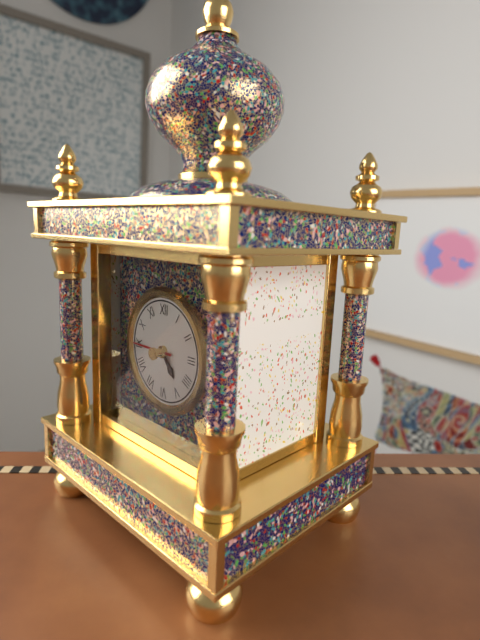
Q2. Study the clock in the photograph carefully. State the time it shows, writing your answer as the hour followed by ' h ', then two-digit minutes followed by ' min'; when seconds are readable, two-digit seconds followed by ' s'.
4 h 45 min
